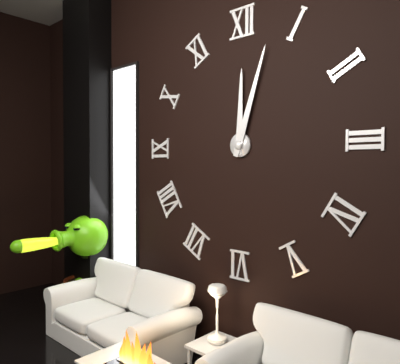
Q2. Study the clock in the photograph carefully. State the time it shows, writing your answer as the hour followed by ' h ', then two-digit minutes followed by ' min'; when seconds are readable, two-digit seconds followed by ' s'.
12 h 03 min
